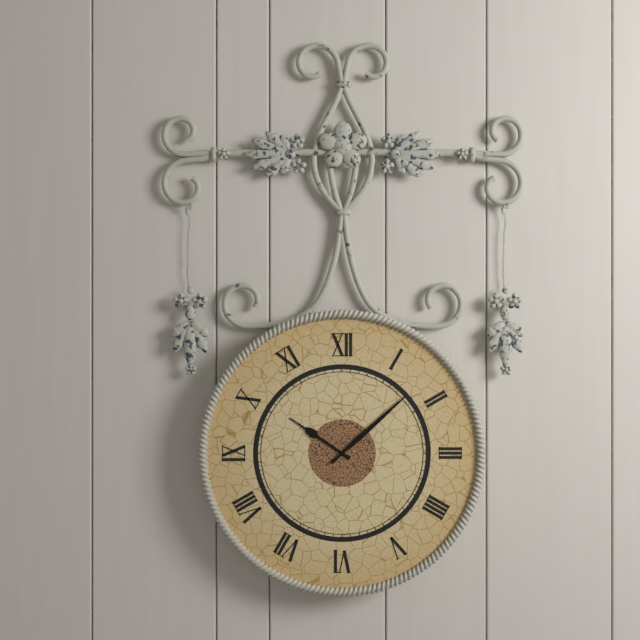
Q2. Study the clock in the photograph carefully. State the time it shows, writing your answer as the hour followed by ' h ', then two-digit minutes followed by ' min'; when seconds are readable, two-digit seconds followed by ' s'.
10 h 08 min
